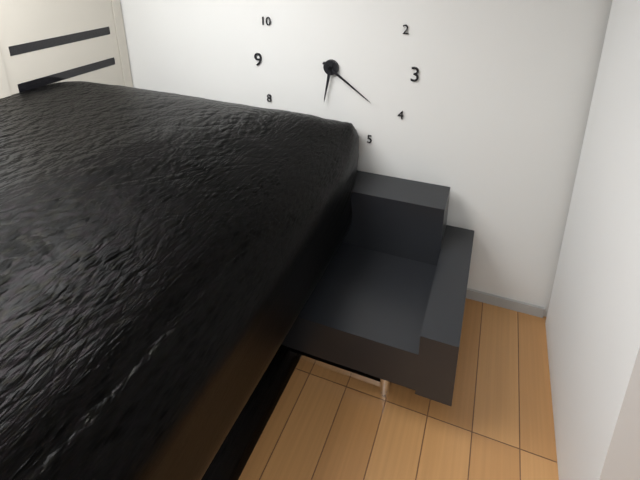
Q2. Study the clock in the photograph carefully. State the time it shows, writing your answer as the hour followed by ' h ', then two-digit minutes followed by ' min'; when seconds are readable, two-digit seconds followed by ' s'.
6 h 21 min
